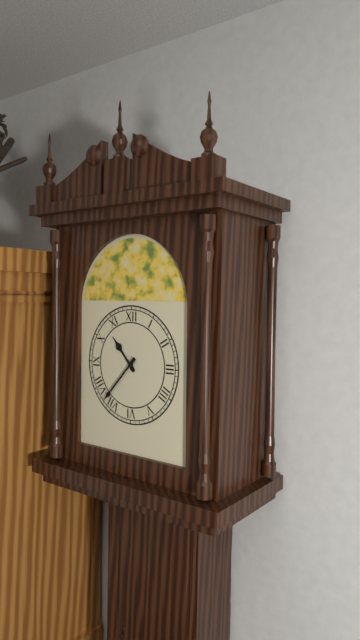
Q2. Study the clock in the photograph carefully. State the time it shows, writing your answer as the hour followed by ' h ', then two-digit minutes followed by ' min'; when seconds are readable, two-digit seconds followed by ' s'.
10 h 37 min
